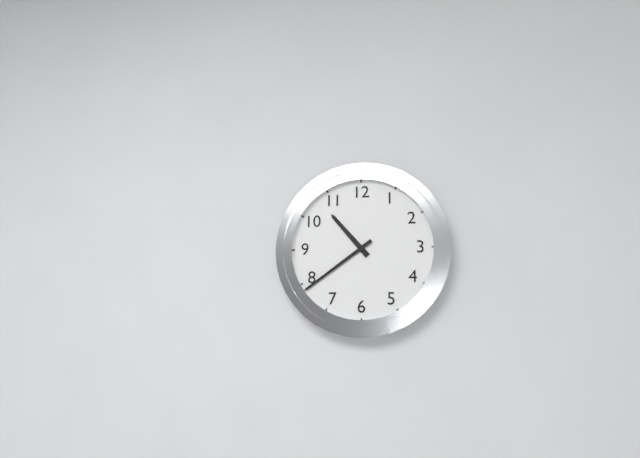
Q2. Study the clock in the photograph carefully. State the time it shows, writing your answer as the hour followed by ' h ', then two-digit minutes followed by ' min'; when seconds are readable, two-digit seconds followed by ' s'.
10 h 39 min
